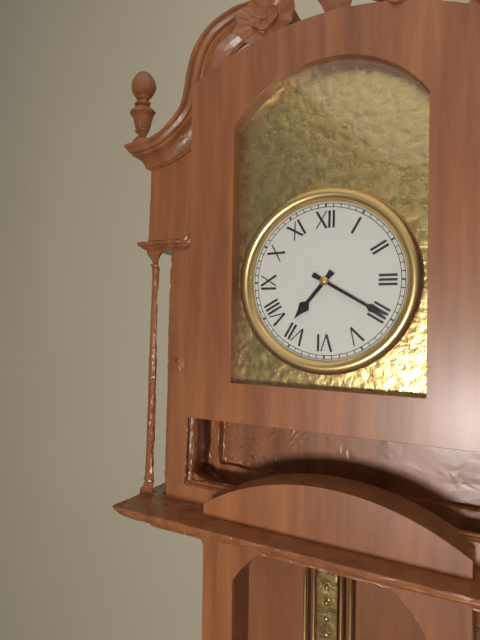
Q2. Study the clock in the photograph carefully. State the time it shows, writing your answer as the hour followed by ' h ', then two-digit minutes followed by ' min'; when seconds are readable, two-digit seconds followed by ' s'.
7 h 20 min
